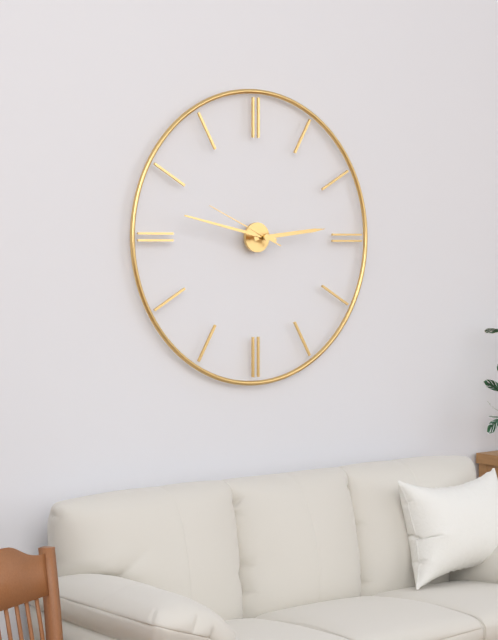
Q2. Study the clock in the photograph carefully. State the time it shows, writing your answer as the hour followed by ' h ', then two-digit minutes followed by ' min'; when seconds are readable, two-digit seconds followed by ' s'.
2 h 47 min 49 s
